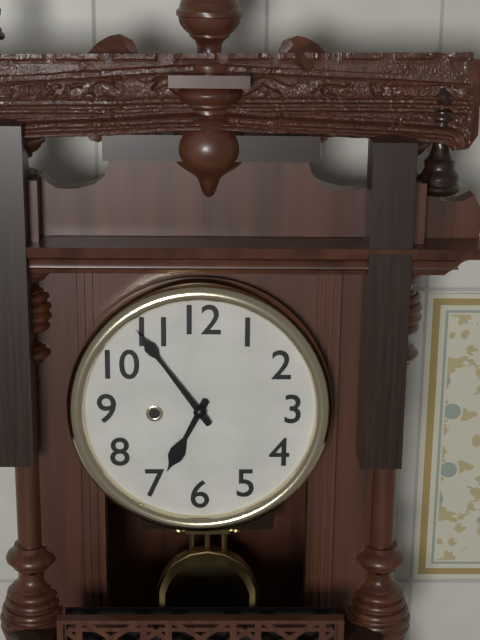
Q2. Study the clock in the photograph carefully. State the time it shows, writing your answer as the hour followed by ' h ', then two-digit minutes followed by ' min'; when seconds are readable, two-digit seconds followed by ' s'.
6 h 54 min
